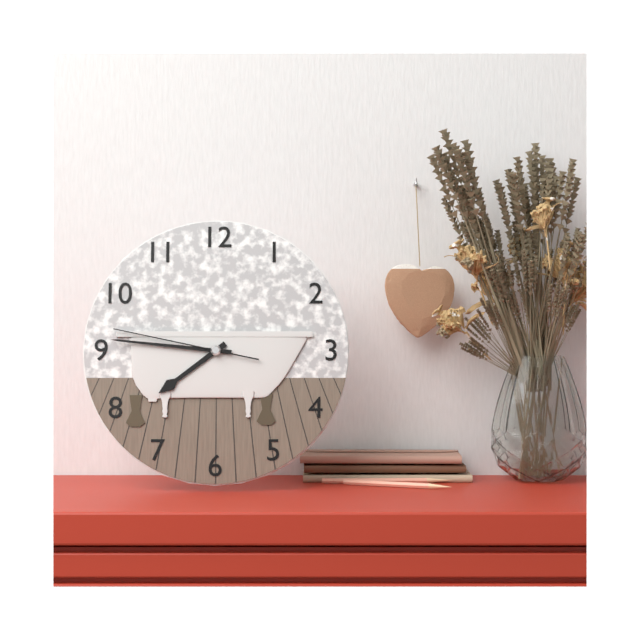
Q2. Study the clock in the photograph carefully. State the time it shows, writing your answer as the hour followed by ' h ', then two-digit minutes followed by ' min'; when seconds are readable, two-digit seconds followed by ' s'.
7 h 46 min 47 s
